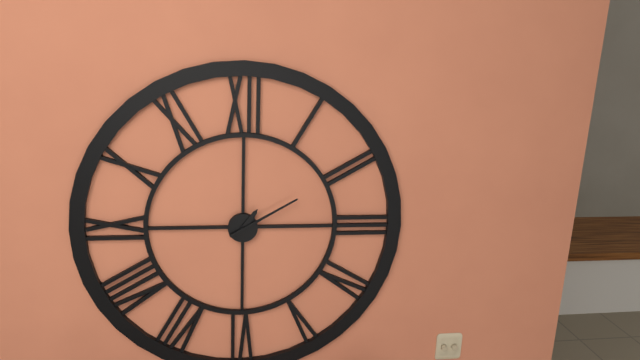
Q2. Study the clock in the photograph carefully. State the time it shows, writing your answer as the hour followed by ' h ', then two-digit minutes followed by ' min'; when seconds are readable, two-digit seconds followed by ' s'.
1 h 10 min
